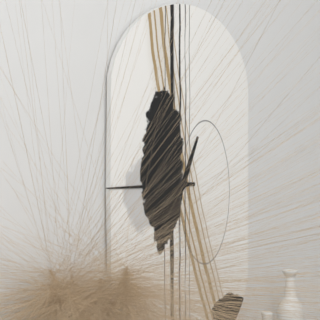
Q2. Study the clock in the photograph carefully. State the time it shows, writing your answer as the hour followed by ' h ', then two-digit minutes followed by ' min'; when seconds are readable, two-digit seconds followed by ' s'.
12 h 45 min
